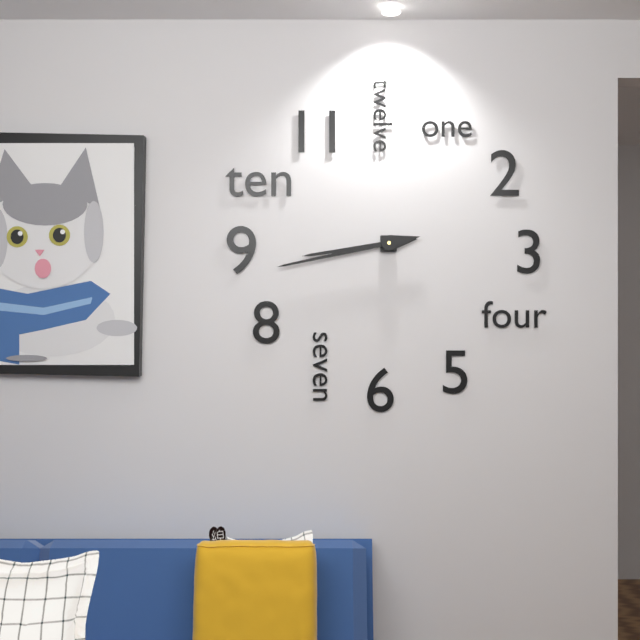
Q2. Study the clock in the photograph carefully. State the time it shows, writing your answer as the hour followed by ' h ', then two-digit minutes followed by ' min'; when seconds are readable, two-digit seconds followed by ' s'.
8 h 43 min
